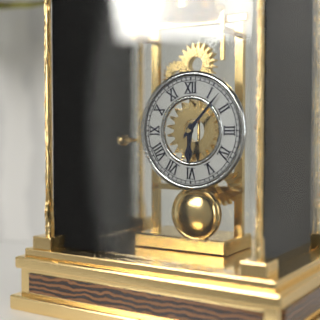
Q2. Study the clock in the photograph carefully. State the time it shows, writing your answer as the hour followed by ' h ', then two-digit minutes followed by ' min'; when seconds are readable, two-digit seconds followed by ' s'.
6 h 07 min
